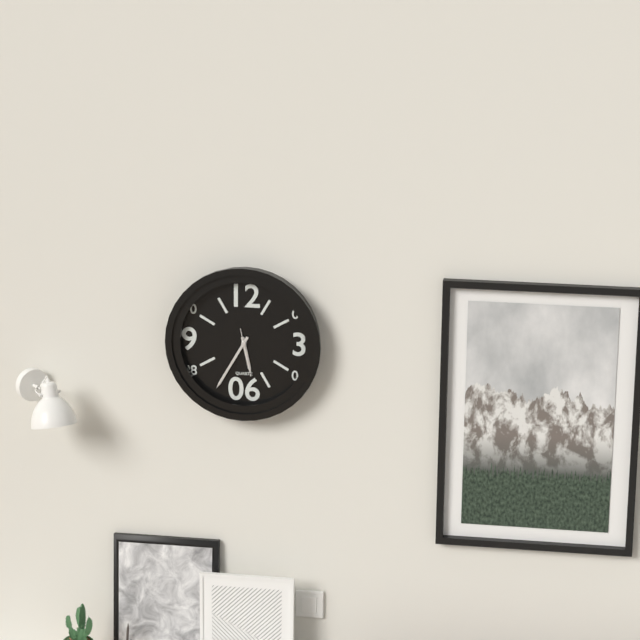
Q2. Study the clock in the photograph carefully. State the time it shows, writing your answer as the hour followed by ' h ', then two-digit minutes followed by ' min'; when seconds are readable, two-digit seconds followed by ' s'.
5 h 35 min
